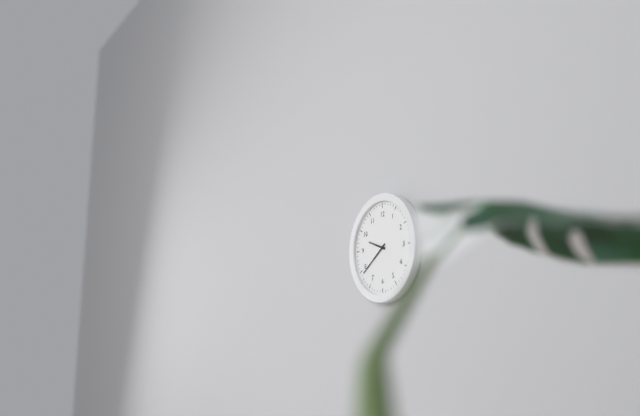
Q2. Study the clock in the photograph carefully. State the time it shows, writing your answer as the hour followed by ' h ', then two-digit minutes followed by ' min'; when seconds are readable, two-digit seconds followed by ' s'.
9 h 39 min
